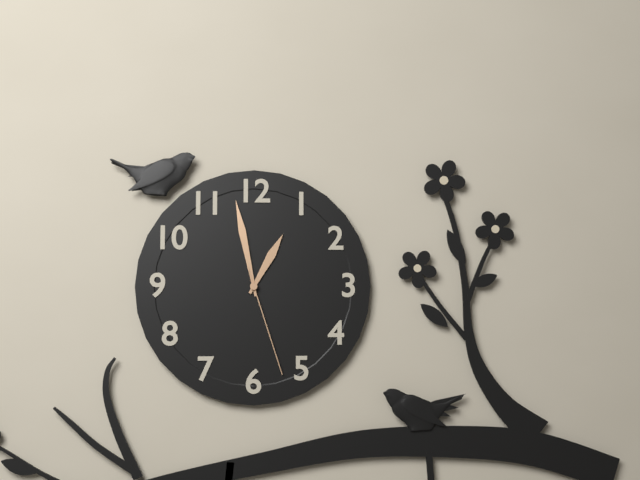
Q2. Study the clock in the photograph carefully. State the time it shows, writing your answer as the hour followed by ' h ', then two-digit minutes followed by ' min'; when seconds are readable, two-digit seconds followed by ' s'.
12 h 58 min 27 s
